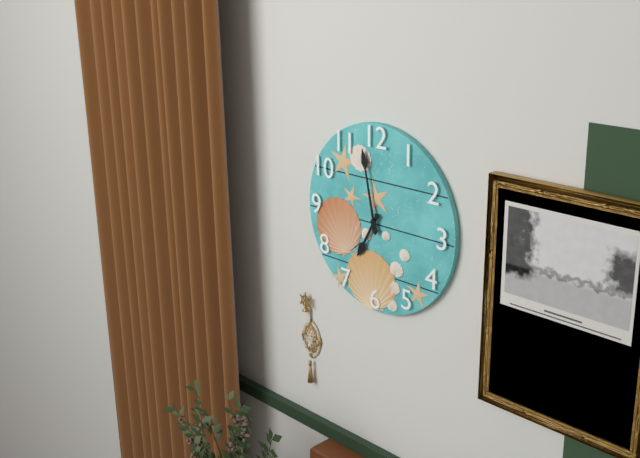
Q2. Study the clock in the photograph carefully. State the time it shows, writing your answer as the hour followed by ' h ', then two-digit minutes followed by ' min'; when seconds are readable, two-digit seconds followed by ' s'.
6 h 58 min
